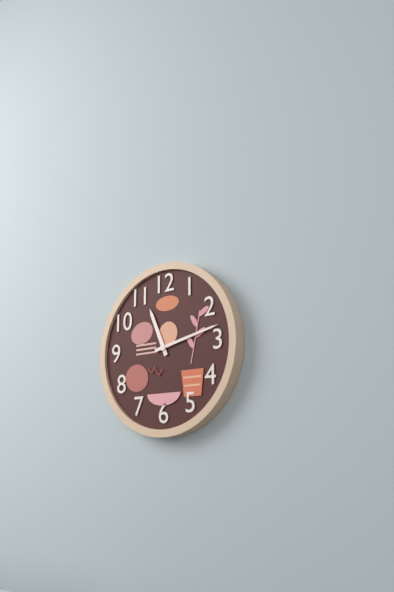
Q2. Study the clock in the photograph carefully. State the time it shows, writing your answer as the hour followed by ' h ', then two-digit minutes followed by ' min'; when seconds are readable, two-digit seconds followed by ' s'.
11 h 13 min
